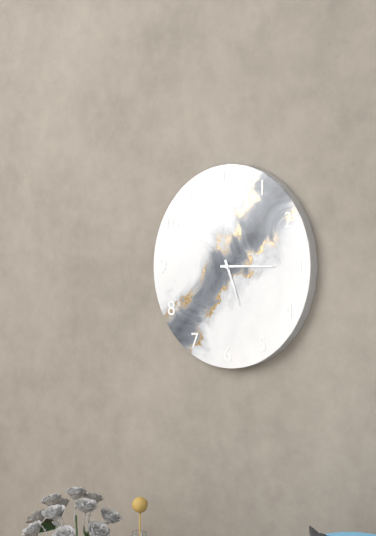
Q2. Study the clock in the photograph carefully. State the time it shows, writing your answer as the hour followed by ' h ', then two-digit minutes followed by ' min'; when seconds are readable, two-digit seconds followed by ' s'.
5 h 15 min
